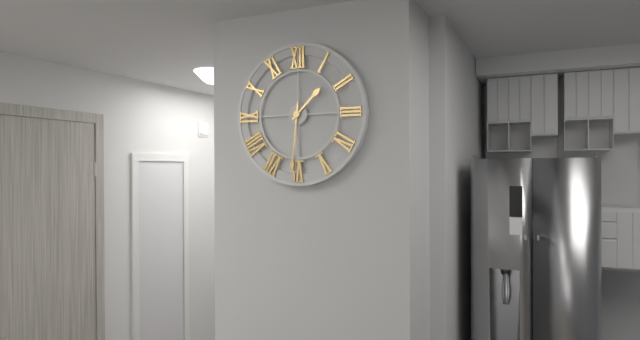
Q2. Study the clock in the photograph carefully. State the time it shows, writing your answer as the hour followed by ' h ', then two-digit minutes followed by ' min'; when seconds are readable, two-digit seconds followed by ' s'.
1 h 31 min
